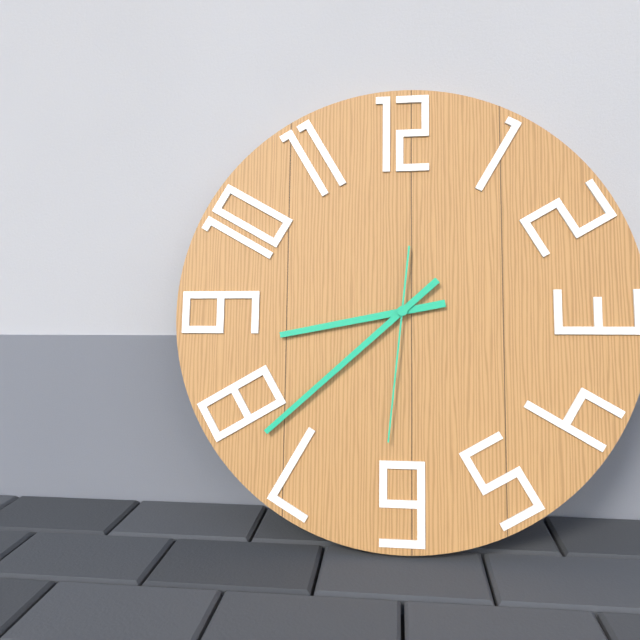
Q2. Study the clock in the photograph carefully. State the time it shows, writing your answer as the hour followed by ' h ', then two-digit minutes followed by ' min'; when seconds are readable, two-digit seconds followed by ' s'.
8 h 38 min 31 s
